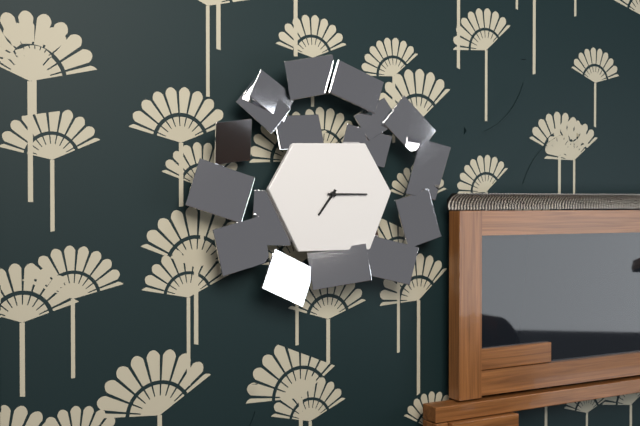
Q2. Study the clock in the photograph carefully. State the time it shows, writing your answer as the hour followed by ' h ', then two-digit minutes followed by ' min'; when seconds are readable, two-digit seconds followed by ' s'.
7 h 15 min
